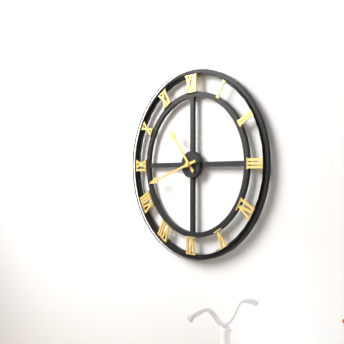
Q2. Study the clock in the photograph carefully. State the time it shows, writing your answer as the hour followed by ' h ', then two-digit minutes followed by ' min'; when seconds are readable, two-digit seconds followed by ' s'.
10 h 42 min
